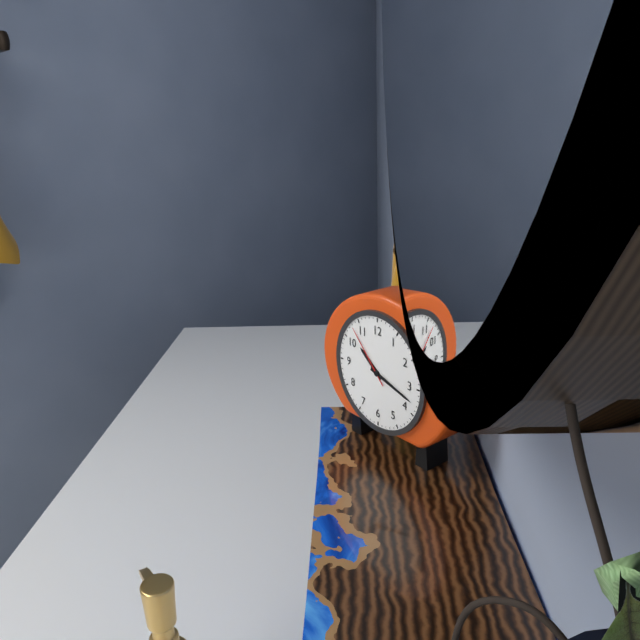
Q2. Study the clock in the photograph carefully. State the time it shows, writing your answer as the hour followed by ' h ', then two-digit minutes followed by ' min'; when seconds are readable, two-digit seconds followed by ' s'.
10 h 18 min 53 s
